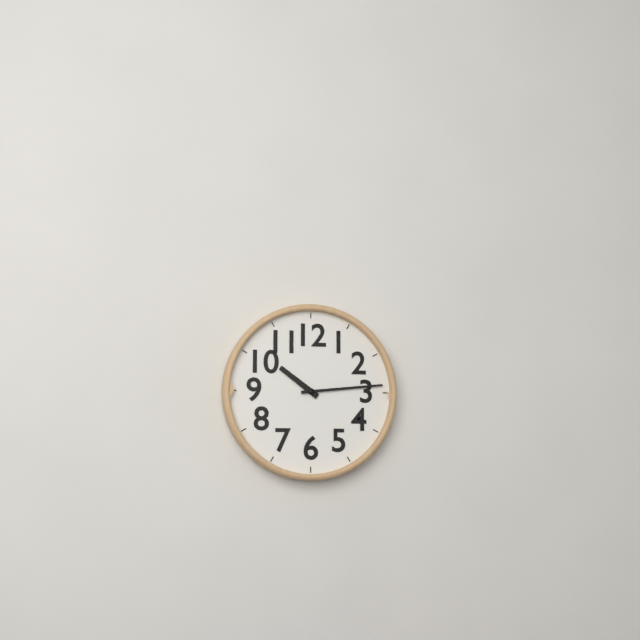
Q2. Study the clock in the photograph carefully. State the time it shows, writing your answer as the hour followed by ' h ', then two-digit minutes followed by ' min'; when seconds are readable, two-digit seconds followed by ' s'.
10 h 14 min
